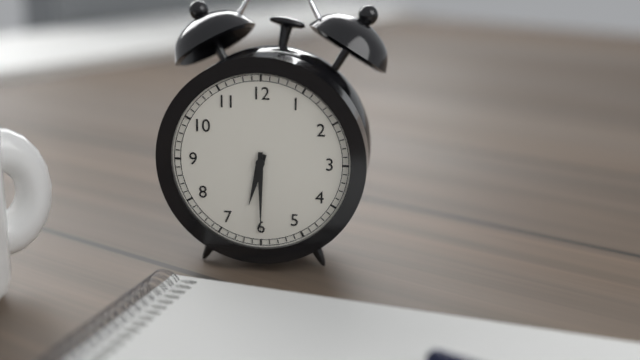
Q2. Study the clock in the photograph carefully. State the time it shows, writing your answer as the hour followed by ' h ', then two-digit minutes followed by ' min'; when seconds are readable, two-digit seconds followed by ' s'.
6 h 30 min
